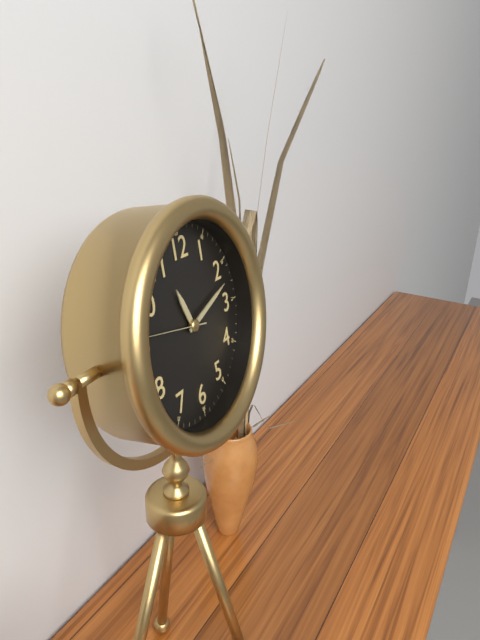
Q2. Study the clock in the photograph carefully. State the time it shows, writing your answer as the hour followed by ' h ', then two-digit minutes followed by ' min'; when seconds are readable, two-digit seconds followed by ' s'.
11 h 12 min 47 s
